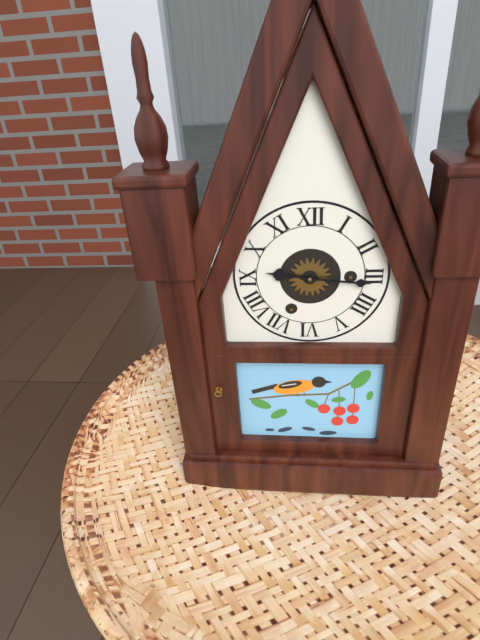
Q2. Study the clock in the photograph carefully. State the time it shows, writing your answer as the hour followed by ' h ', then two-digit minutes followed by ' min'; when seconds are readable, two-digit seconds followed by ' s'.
9 h 16 min
